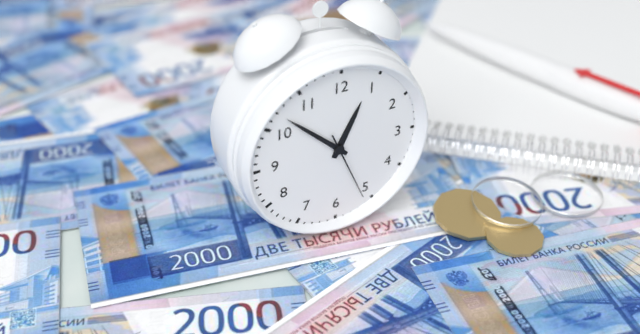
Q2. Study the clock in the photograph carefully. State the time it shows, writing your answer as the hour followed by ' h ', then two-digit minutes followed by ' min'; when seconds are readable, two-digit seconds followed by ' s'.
12 h 52 min 26 s
